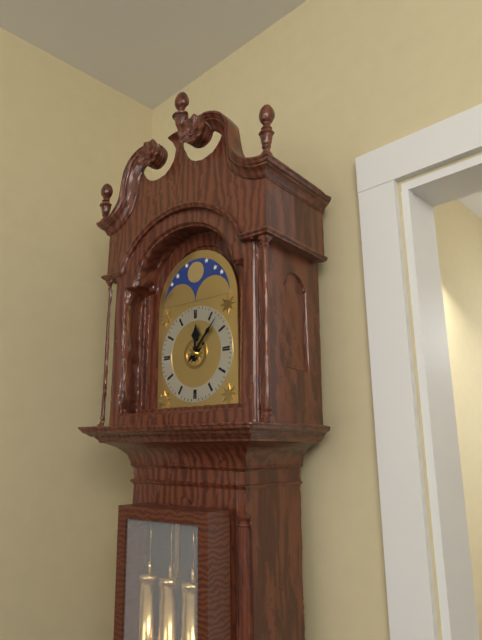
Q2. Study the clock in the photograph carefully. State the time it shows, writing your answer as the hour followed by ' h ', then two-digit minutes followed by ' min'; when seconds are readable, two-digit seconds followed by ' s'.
12 h 07 min
